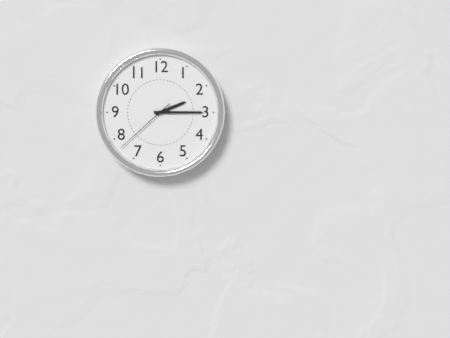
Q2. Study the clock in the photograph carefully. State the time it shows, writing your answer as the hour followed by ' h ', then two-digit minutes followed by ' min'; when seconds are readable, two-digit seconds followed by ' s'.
2 h 15 min 38 s
